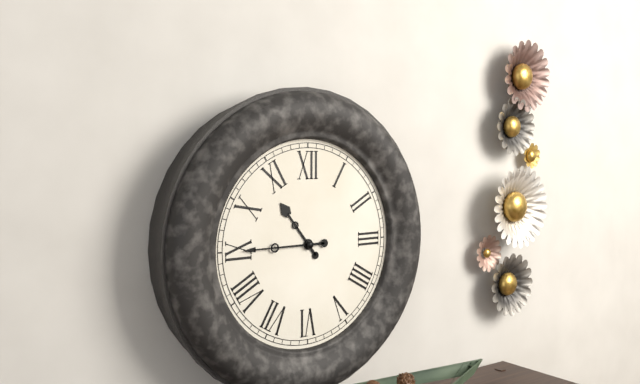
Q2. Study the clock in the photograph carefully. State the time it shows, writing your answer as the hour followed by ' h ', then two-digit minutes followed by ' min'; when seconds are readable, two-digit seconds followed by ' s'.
10 h 45 min
